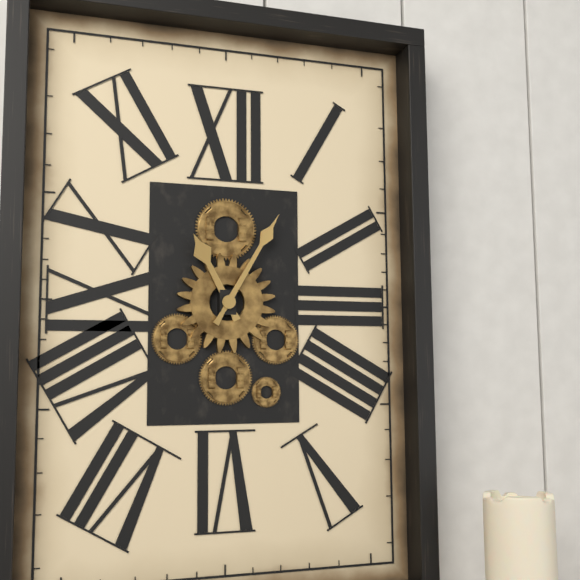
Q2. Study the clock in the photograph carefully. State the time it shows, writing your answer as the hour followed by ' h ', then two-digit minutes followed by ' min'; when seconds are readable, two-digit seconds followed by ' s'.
11 h 05 min
